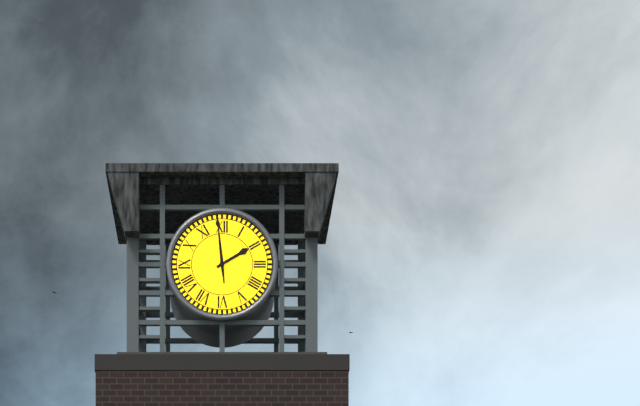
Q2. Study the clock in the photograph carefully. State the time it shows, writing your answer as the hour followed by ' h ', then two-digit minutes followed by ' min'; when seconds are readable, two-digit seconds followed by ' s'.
1 h 59 min
